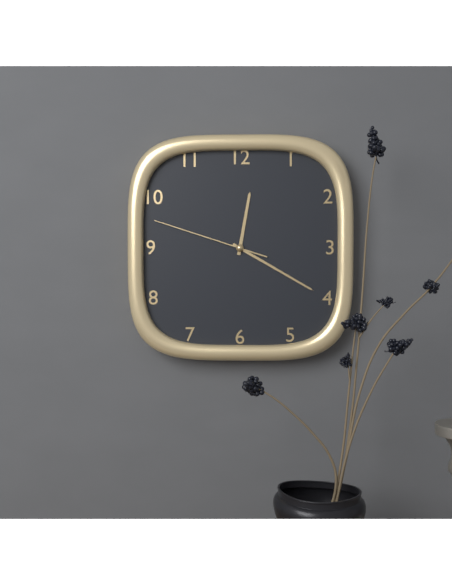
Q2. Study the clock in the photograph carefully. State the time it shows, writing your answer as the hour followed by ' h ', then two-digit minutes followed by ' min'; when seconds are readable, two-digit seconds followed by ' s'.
12 h 20 min 48 s
